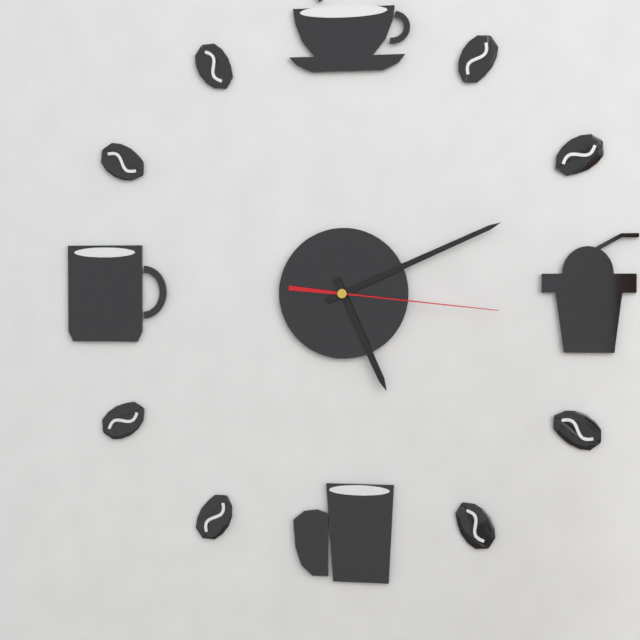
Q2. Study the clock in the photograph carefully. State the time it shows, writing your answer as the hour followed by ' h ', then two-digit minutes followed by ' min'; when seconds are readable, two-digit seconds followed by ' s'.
5 h 11 min 16 s
